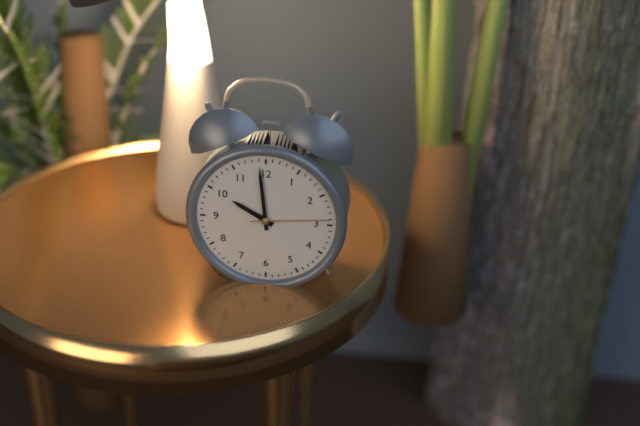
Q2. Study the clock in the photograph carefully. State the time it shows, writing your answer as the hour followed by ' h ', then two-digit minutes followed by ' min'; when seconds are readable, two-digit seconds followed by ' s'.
9 h 59 min 14 s
